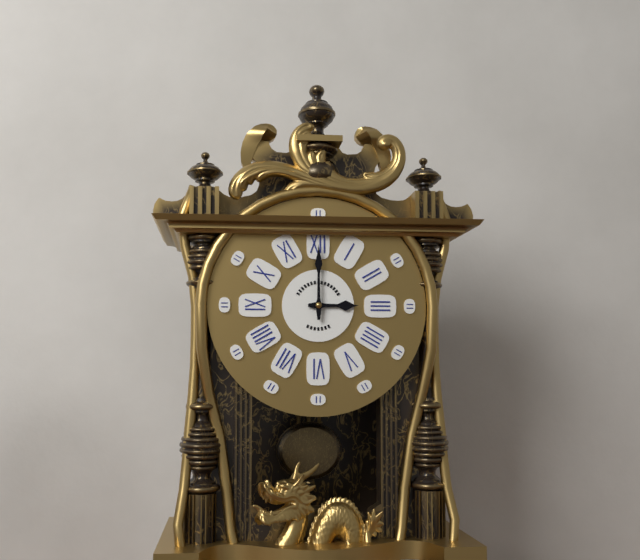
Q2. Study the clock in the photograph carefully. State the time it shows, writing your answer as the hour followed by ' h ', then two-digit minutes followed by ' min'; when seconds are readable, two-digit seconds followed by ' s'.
3 h 00 min
